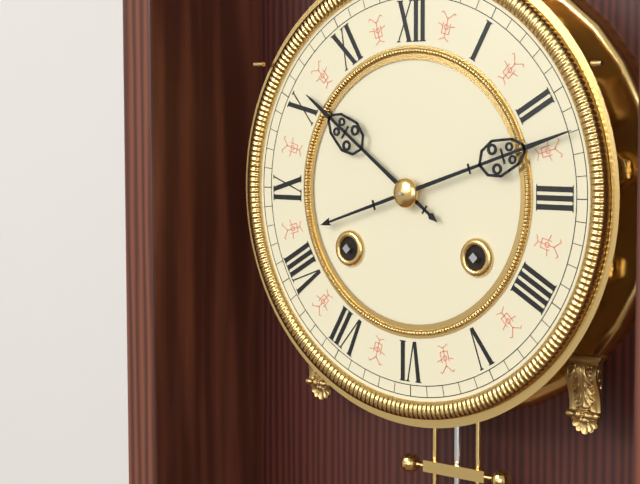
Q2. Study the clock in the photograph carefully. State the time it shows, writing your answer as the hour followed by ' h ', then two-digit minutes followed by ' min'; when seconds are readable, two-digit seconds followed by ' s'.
10 h 12 min
